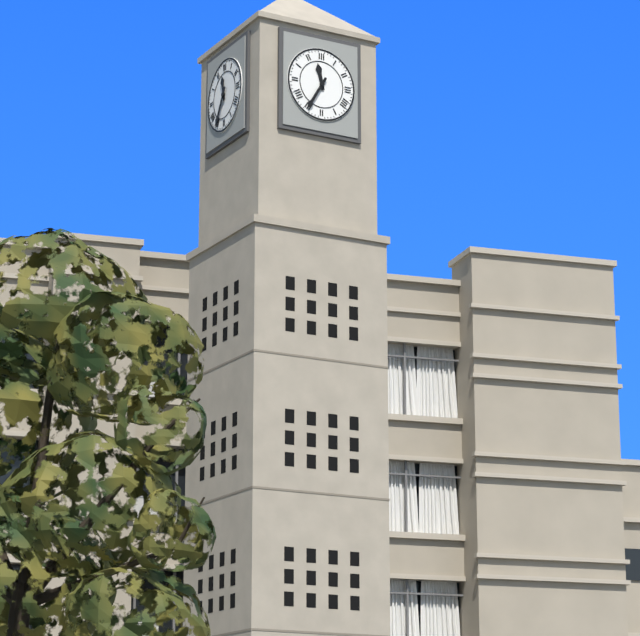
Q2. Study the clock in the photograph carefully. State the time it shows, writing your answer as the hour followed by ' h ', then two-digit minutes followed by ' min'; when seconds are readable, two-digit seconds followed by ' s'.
11 h 35 min
